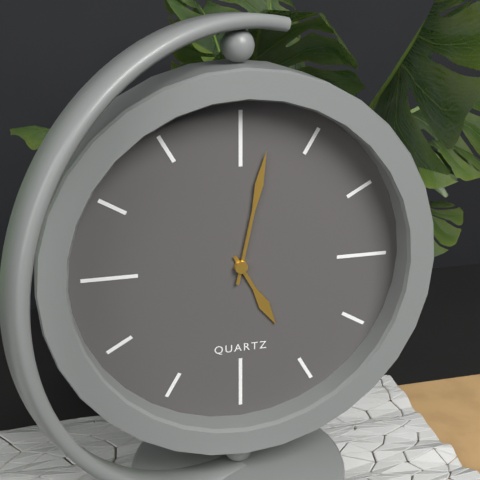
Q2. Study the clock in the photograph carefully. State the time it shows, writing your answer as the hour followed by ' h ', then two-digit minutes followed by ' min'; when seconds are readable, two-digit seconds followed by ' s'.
5 h 02 min
